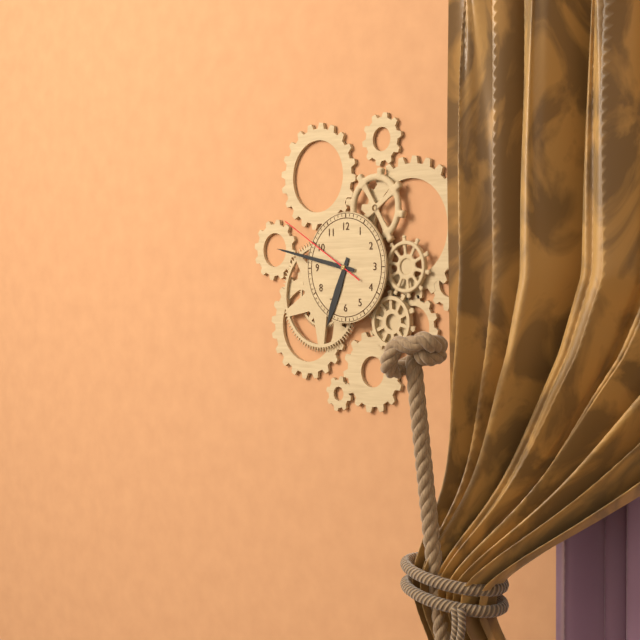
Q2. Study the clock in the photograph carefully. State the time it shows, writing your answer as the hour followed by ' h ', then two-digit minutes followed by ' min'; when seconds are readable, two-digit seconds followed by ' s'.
6 h 47 min 50 s
